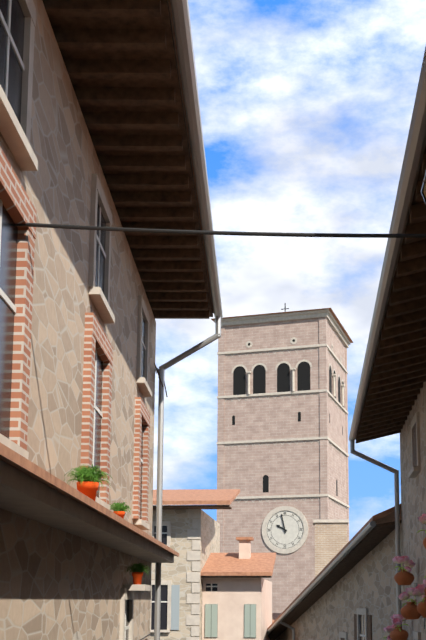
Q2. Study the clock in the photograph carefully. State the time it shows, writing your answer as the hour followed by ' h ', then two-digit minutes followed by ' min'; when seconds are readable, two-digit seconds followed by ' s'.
9 h 58 min
